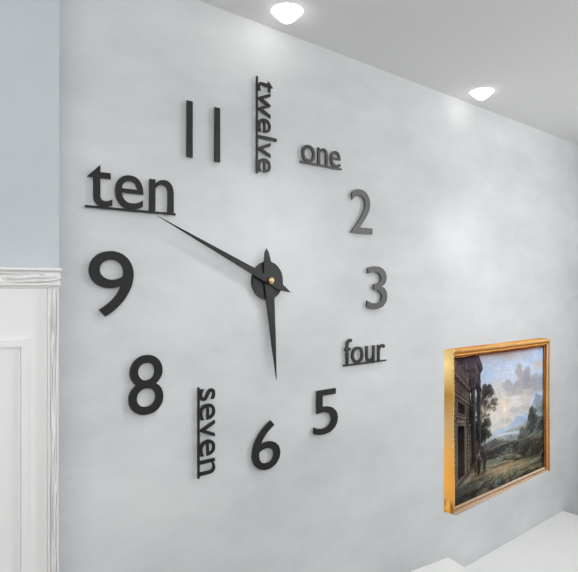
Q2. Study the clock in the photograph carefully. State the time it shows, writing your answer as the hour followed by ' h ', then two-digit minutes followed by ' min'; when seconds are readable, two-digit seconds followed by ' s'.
5 h 49 min
